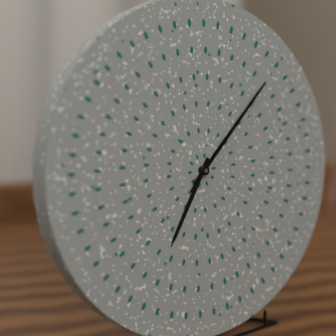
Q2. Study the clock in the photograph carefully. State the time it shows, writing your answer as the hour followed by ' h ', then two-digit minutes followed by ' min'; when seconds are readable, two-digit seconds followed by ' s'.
7 h 08 min 08 s
